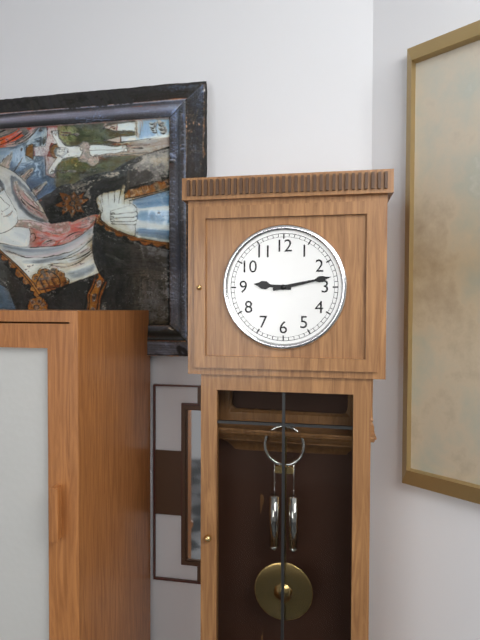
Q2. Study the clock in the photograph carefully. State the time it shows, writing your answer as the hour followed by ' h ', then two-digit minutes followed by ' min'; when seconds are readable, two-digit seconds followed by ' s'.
9 h 13 min
